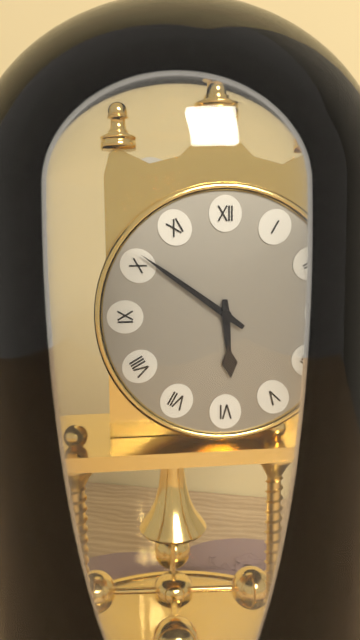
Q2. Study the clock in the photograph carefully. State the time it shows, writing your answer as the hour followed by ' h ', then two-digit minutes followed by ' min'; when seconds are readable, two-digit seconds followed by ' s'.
5 h 51 min
